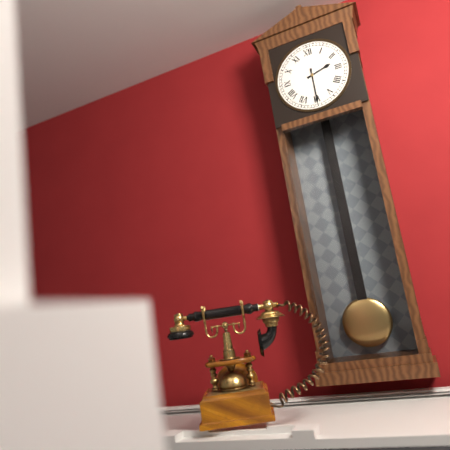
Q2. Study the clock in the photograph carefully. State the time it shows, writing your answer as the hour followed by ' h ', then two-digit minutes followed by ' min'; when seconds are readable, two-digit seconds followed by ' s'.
2 h 30 min
